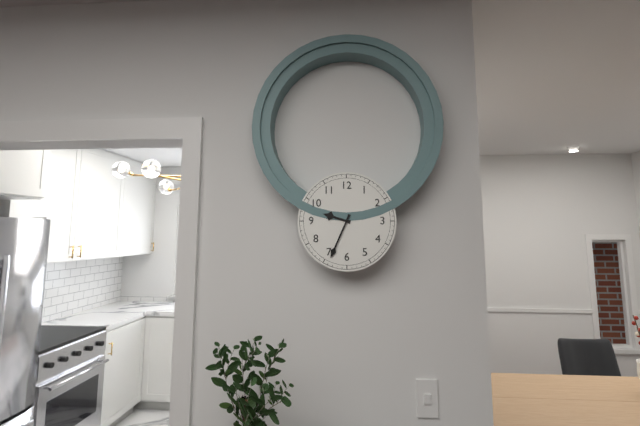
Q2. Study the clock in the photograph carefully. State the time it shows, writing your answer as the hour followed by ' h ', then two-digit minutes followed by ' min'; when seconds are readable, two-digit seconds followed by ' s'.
9 h 34 min
